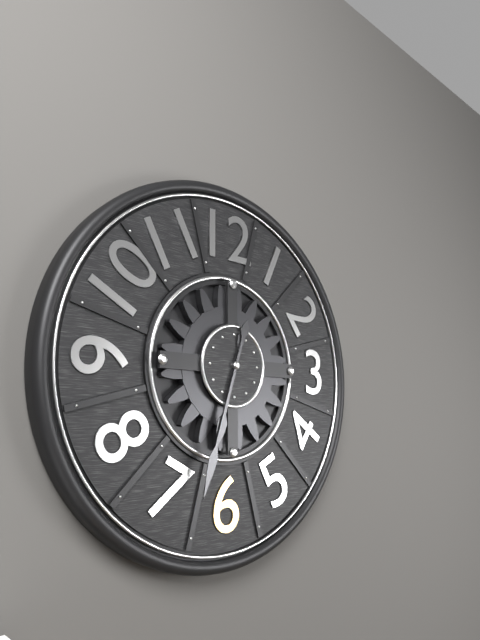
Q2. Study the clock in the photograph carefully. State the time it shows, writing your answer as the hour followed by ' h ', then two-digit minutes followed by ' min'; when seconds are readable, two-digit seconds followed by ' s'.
6 h 33 min
